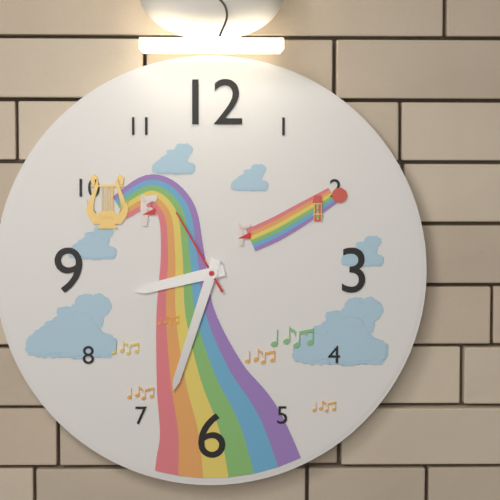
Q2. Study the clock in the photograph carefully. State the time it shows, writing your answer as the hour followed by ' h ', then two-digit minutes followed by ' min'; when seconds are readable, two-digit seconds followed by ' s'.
8 h 33 min 55 s
